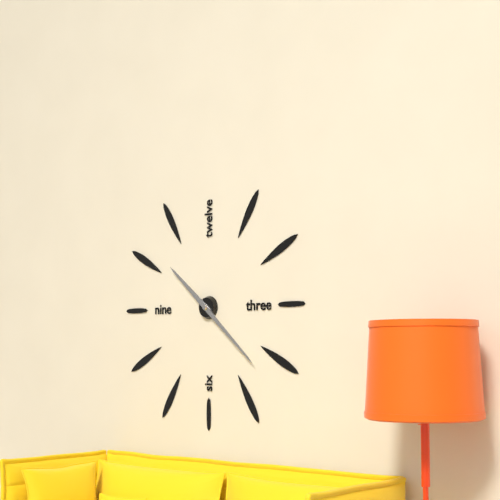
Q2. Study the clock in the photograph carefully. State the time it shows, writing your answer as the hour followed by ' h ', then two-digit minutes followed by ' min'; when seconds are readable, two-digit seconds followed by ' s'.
10 h 22 min
